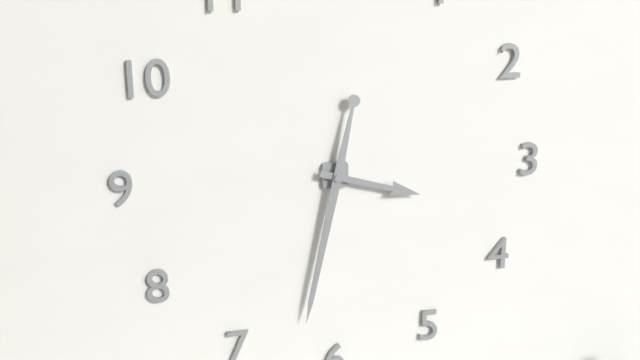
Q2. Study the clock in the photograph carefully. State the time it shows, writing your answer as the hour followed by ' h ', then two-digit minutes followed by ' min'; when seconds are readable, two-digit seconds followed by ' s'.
3 h 32 min
